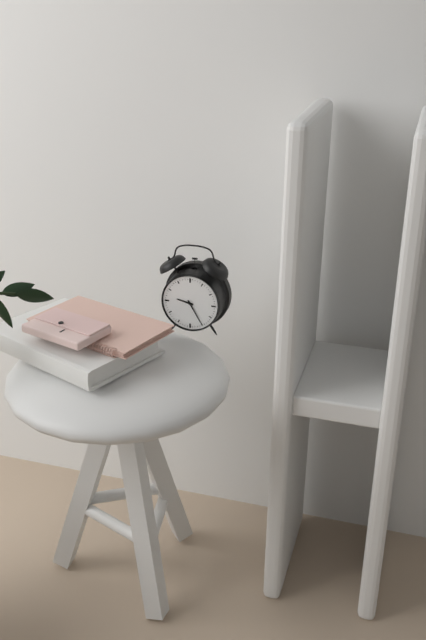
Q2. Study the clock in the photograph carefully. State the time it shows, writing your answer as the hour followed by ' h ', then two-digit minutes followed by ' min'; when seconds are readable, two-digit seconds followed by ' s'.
9 h 25 min
